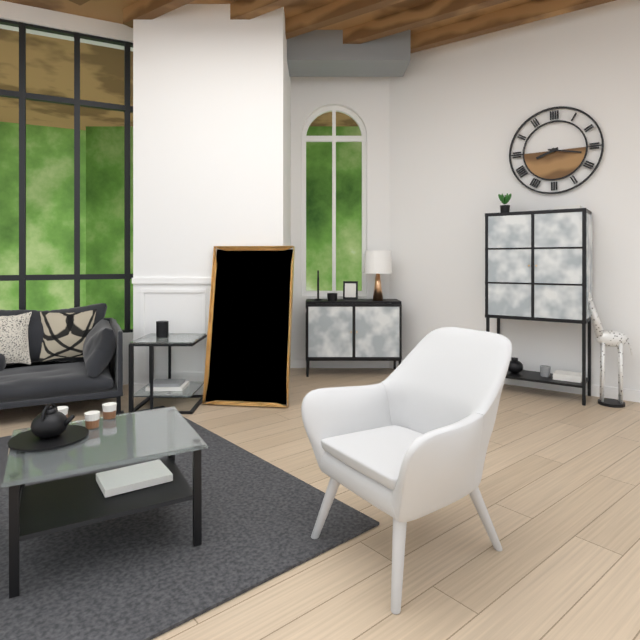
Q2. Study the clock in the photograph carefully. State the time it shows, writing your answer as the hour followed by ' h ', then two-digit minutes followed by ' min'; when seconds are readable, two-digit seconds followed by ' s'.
8 h 17 min
